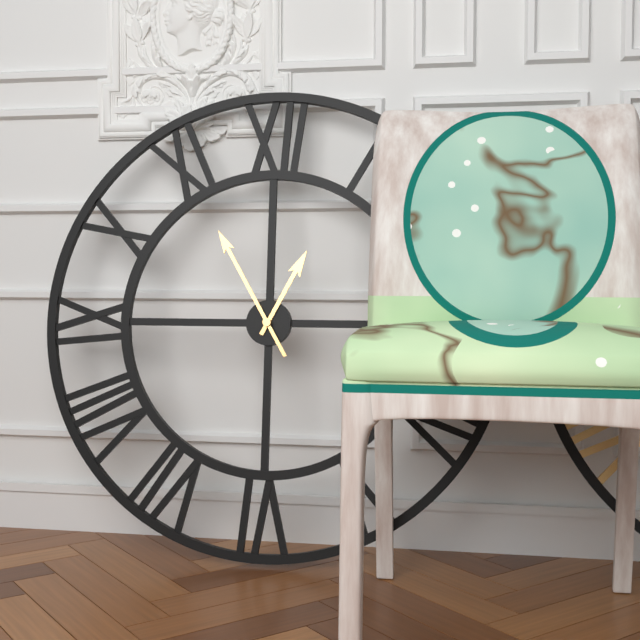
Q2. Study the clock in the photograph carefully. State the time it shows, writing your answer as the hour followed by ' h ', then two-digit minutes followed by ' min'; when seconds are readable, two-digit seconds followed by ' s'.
12 h 55 min
